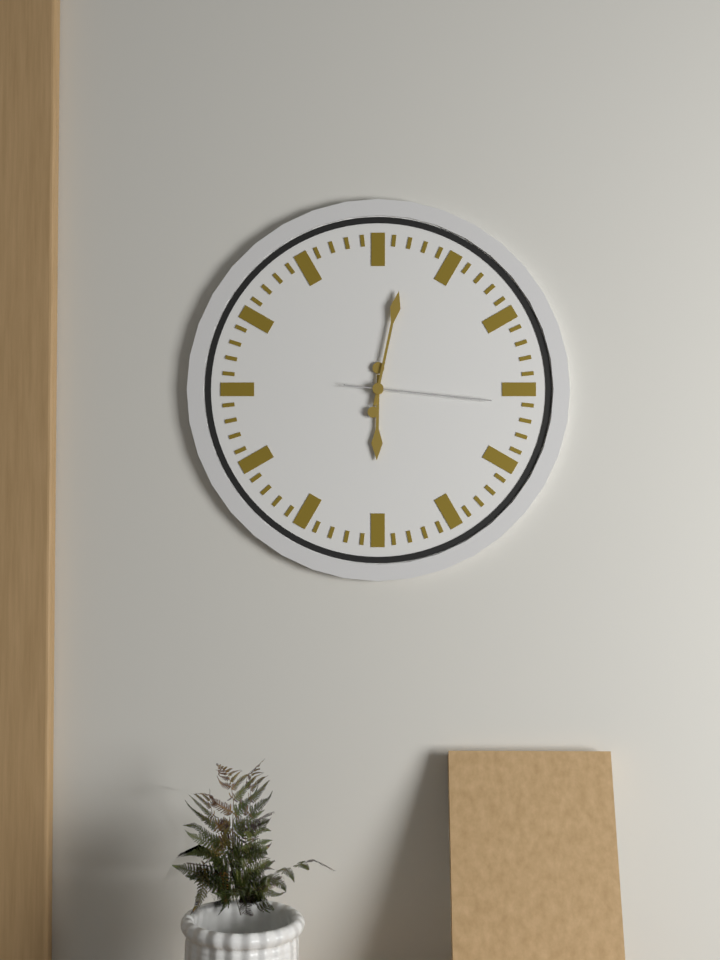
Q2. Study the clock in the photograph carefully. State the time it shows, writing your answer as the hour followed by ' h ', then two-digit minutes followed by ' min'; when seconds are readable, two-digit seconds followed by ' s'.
6 h 02 min 16 s
